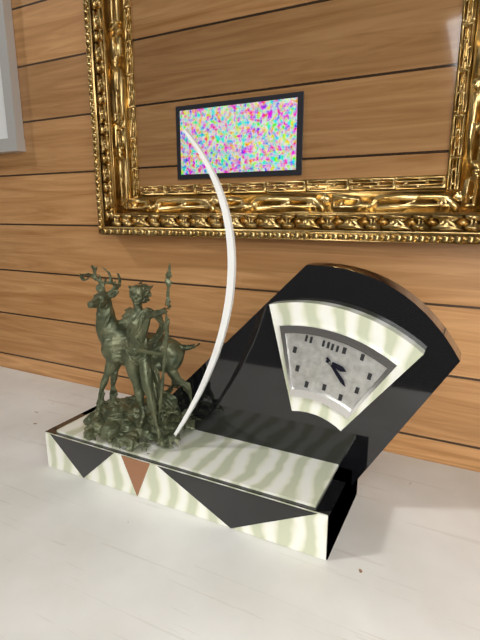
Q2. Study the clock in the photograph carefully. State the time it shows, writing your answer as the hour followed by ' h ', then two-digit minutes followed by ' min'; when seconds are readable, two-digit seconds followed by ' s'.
3 h 22 min
